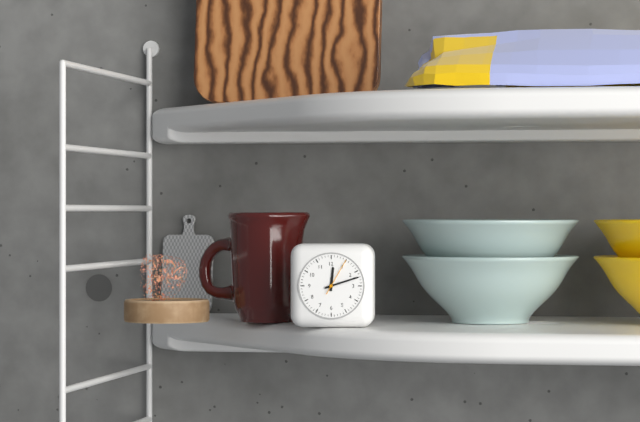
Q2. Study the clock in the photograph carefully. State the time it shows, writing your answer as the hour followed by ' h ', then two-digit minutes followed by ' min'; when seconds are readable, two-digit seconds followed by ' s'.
12 h 12 min
